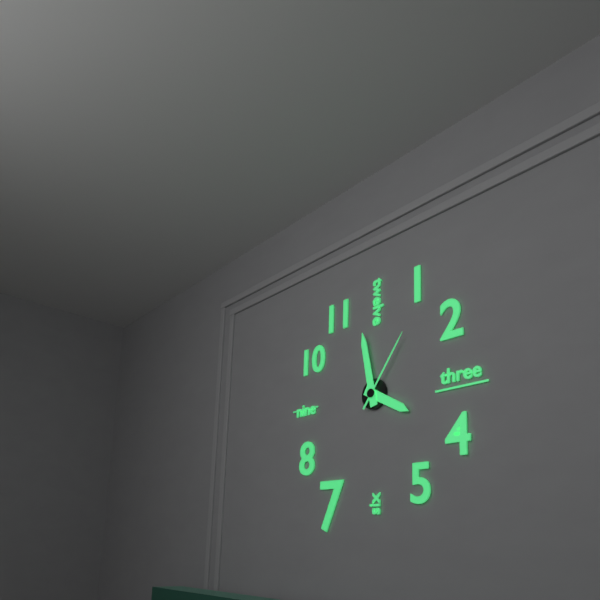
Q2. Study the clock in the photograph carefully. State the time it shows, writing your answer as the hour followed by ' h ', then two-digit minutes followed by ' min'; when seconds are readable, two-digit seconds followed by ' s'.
3 h 58 min 06 s
